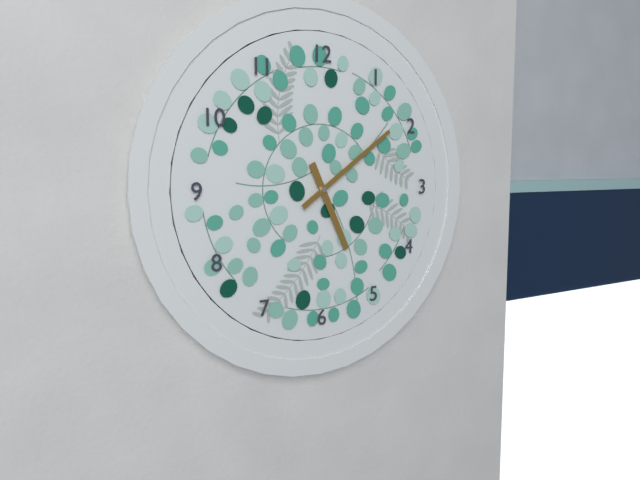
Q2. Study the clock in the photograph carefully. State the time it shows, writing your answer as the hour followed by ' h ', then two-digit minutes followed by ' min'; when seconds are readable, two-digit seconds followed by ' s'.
5 h 09 min
